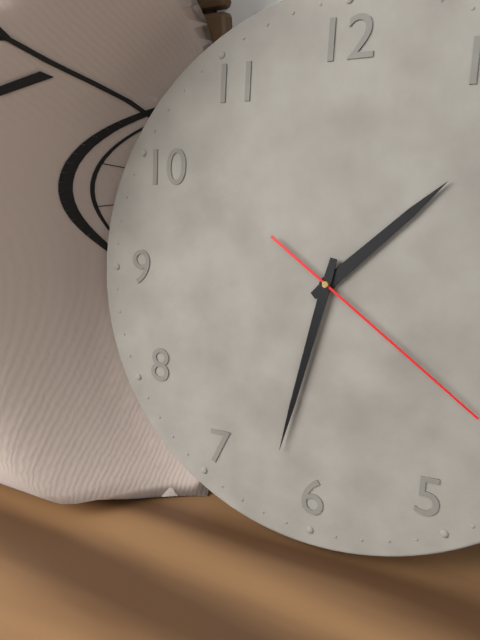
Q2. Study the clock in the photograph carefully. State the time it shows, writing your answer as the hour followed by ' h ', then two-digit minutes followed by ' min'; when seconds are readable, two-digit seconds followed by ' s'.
1 h 32 min 21 s
